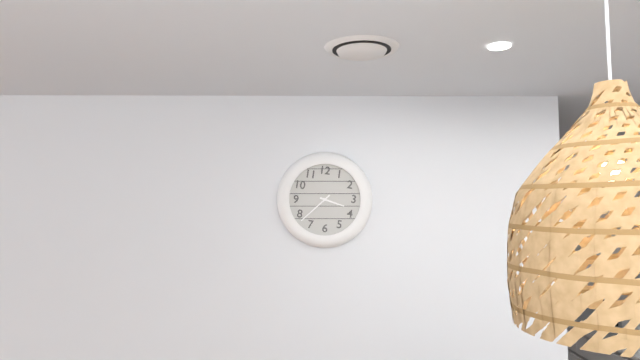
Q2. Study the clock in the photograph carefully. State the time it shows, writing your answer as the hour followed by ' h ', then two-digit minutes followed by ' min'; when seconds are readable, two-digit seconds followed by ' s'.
3 h 38 min
